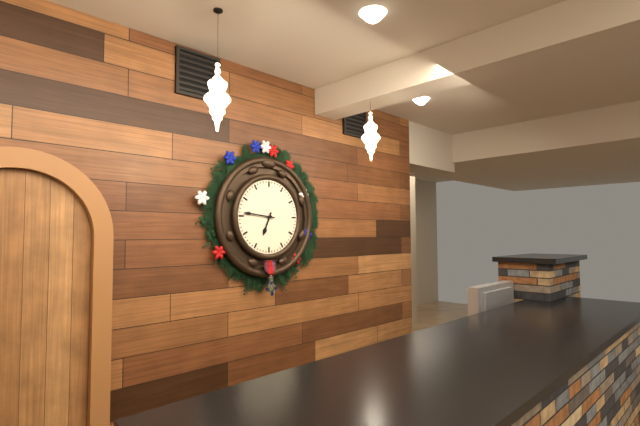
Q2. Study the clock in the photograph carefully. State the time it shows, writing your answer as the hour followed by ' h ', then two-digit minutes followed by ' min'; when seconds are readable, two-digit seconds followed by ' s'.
6 h 46 min
